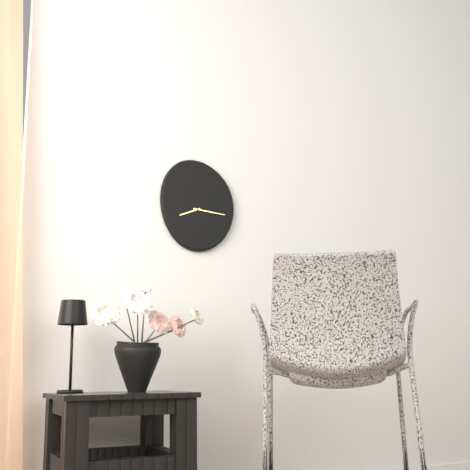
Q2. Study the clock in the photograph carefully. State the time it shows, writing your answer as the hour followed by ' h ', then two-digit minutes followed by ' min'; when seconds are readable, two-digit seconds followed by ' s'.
8 h 16 min
